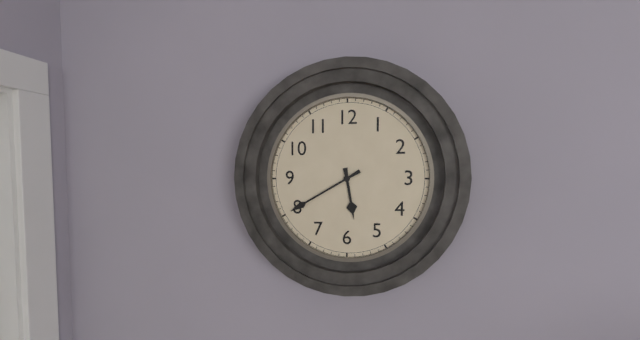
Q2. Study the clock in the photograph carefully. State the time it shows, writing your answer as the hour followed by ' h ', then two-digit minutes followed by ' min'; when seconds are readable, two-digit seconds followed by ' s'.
5 h 40 min
